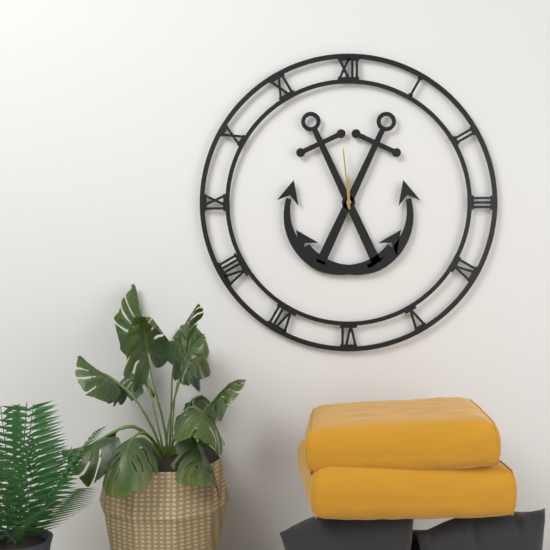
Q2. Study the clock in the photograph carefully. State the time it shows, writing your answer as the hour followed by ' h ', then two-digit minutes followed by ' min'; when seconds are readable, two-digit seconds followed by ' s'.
11 h 59 min
